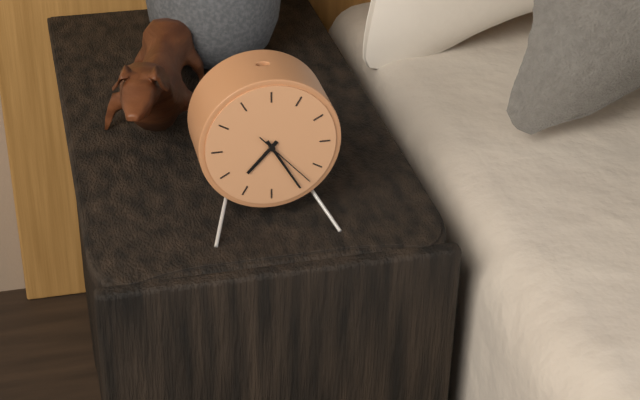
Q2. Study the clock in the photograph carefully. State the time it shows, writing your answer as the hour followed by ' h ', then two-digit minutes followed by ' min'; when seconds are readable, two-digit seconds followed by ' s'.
7 h 25 min 23 s
